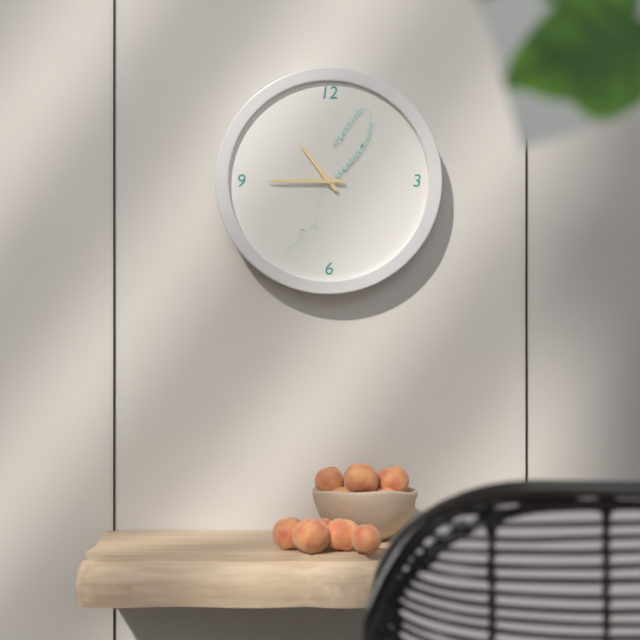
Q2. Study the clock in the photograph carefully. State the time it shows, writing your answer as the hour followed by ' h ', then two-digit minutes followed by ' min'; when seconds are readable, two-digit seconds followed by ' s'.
10 h 45 min
